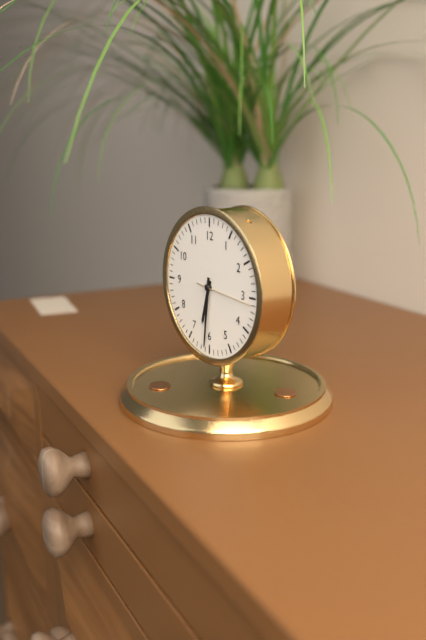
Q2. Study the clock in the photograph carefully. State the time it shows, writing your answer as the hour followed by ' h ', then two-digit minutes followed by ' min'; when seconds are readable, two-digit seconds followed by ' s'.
6 h 31 min 16 s
